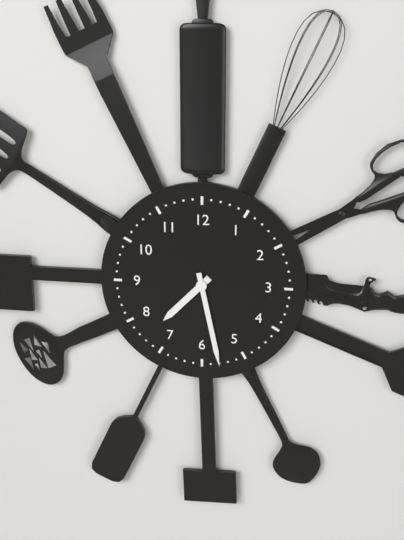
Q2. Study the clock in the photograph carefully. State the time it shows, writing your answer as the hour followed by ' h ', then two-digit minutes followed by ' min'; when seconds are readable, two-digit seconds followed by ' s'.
7 h 28 min
